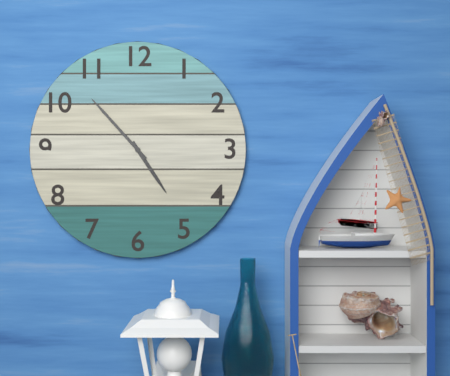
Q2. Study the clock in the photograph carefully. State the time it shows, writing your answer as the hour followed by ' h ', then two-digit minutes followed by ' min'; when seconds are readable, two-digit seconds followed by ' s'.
4 h 53 min
